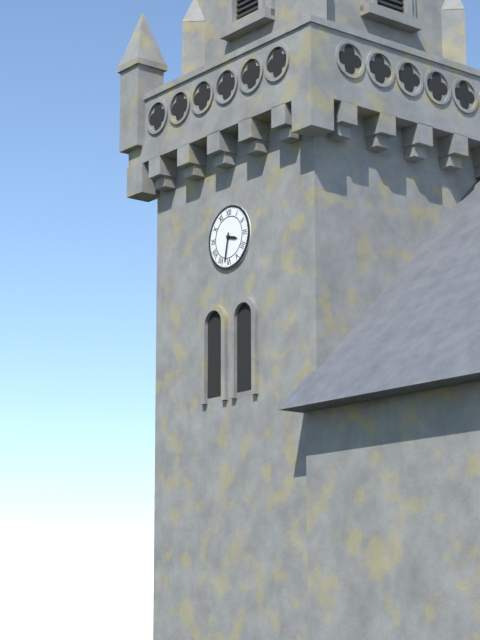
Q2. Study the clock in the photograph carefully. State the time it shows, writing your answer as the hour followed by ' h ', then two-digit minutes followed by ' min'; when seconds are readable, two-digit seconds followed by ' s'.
3 h 32 min
